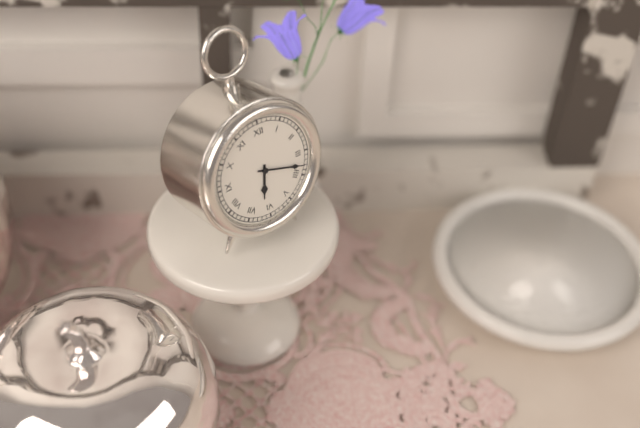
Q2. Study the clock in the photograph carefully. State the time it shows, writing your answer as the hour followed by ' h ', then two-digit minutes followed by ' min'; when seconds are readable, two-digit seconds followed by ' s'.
6 h 18 min
